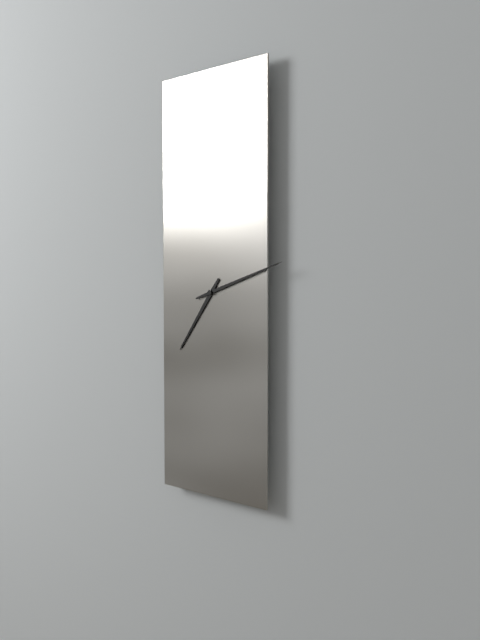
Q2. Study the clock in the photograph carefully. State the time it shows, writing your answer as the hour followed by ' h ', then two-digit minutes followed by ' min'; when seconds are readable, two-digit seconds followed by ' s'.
7 h 12 min
